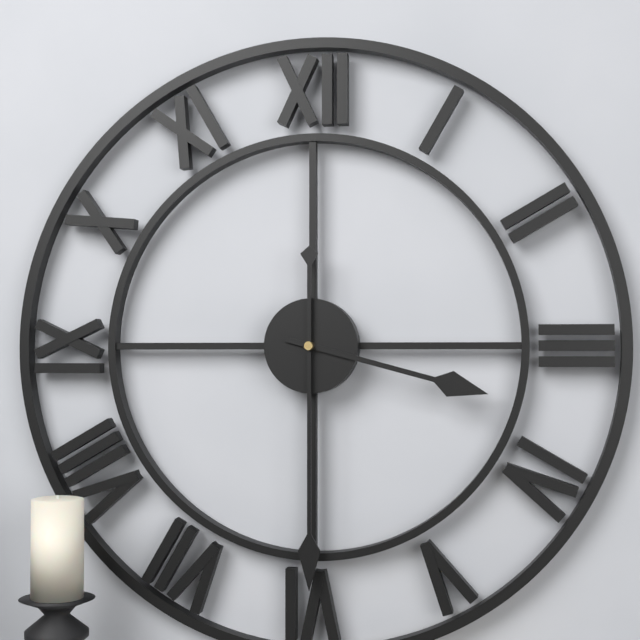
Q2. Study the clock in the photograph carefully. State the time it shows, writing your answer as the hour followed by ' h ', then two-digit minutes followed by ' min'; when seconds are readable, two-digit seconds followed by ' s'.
3 h 30 min
